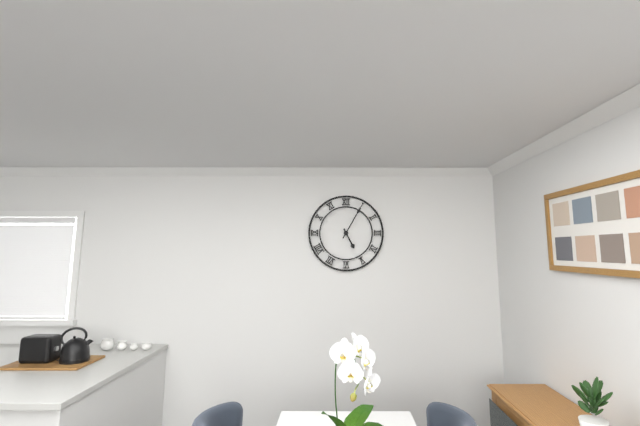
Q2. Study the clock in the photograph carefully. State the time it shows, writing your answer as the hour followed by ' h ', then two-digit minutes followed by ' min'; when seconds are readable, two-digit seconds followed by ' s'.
5 h 05 min
